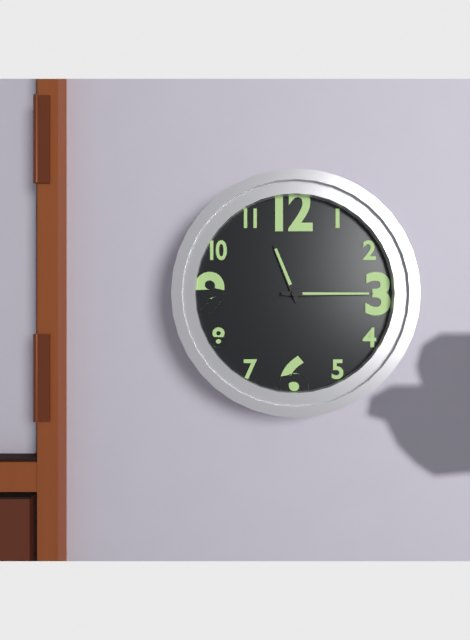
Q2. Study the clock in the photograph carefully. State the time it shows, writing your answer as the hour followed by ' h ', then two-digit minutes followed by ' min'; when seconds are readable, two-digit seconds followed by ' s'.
11 h 15 min
